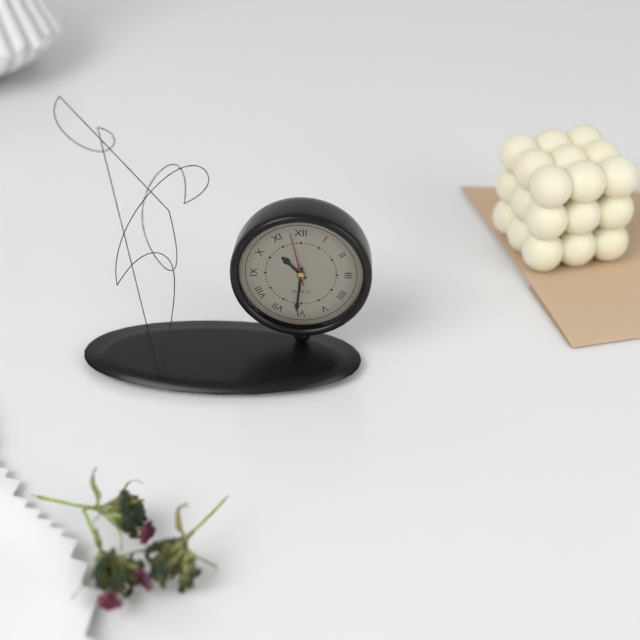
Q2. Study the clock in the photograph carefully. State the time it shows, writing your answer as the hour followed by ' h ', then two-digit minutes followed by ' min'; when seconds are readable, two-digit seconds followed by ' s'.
10 h 31 min 58 s
